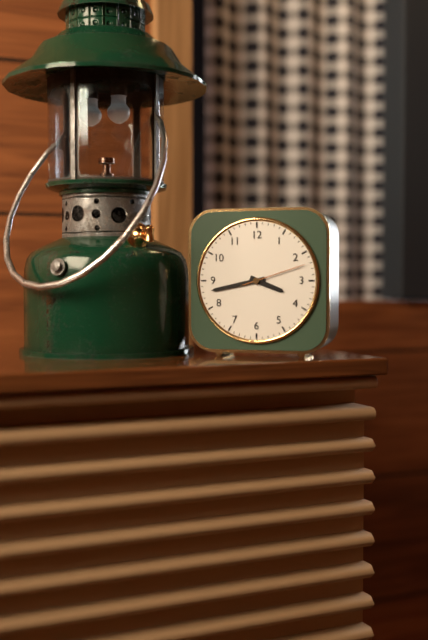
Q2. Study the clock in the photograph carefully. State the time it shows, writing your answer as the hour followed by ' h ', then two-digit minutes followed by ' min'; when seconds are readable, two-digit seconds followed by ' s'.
3 h 43 min 12 s
